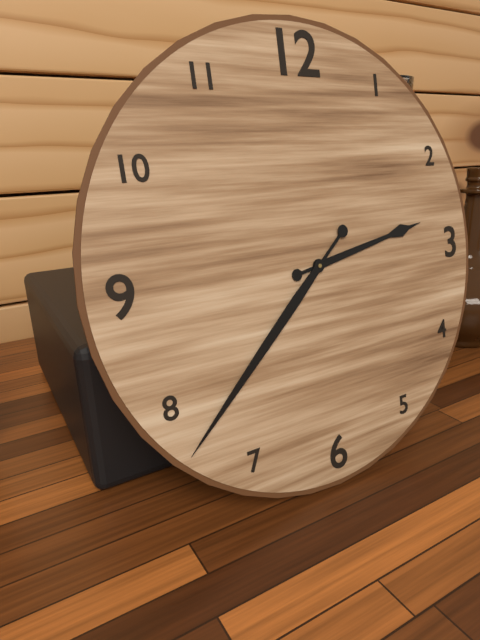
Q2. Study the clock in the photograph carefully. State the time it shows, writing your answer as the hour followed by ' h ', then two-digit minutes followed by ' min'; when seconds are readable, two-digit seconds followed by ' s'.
2 h 38 min
